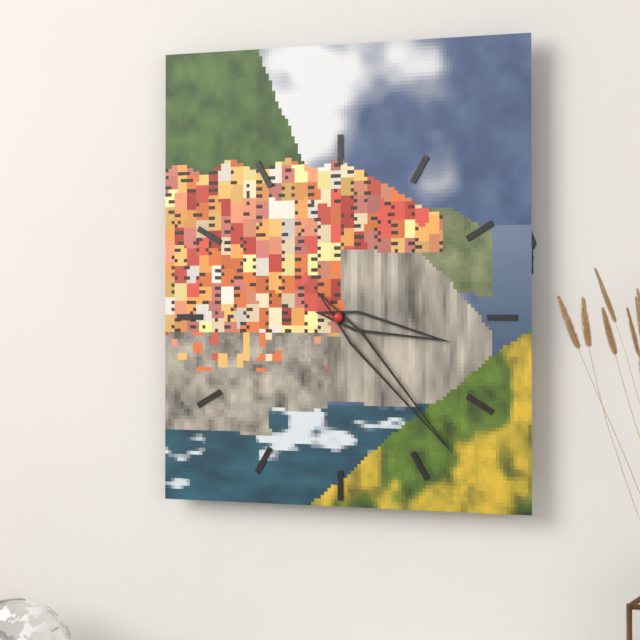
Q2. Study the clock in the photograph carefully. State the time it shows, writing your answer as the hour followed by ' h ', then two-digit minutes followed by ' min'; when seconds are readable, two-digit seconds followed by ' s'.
3 h 23 min
